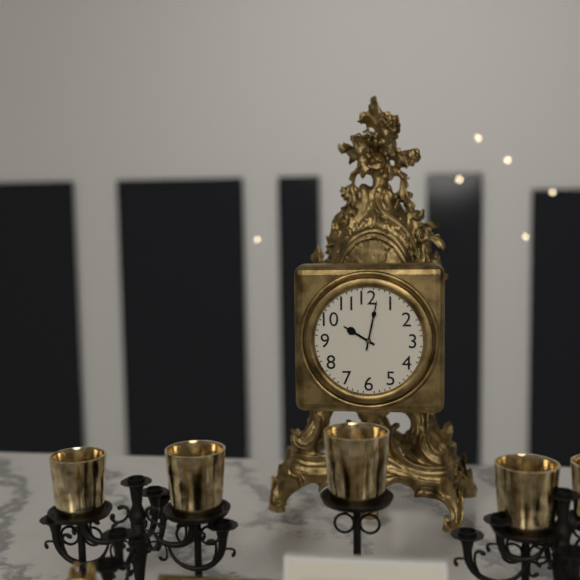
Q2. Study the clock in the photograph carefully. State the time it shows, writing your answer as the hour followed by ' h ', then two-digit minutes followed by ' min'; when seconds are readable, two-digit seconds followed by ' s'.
10 h 02 min
